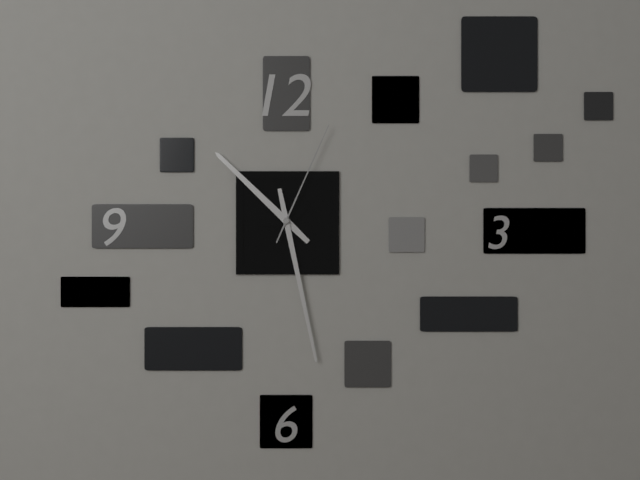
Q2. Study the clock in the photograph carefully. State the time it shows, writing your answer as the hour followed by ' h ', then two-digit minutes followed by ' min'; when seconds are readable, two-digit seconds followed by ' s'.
10 h 28 min 04 s
